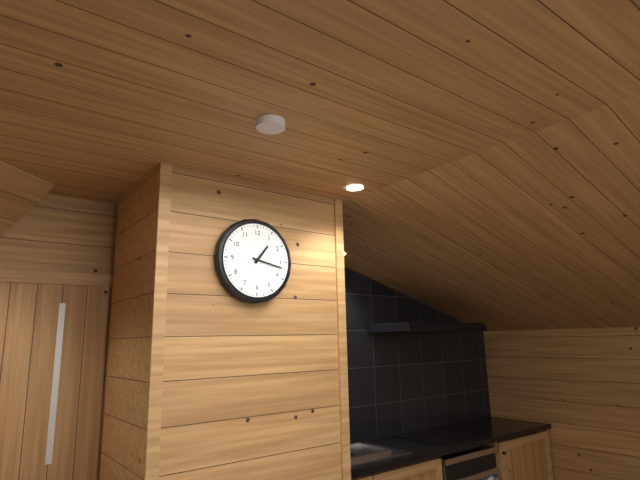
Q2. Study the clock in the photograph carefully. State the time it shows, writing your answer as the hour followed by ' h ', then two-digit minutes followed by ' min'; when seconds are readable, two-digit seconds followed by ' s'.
1 h 17 min
